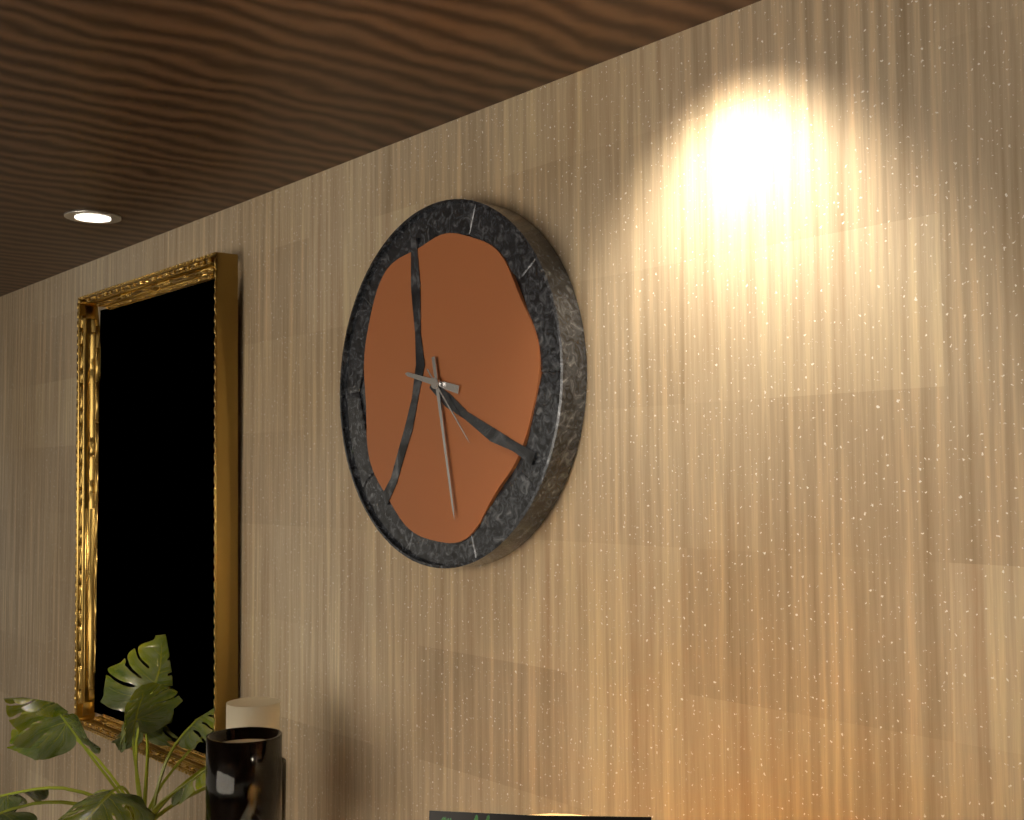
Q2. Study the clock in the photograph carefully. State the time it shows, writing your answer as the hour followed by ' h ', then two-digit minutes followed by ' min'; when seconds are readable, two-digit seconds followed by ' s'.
9 h 28 min 23 s
